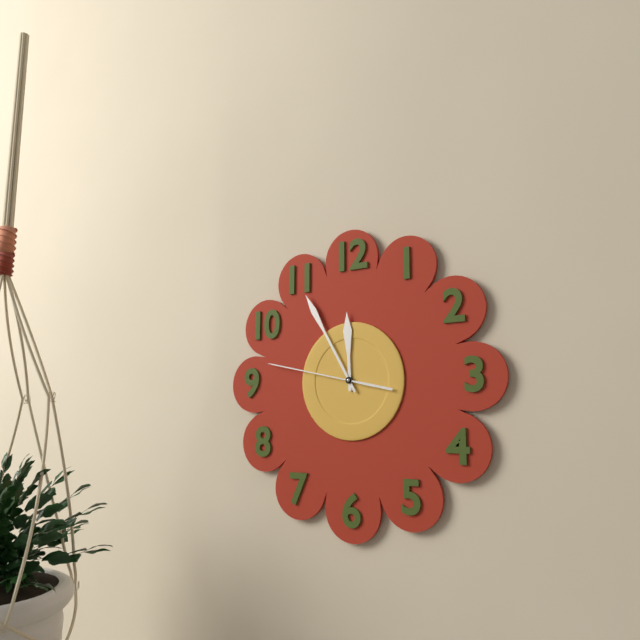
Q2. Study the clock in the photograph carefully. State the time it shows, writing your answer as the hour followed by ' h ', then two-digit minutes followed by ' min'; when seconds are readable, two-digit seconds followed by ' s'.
11 h 55 min 47 s
